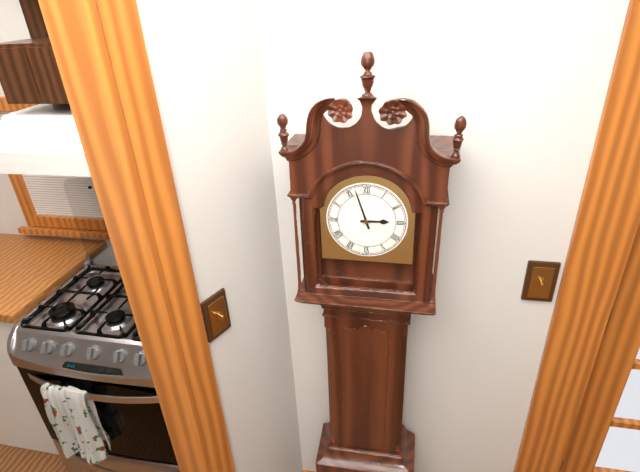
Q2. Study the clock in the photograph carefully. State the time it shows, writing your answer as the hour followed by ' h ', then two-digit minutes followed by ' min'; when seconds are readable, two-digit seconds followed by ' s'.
2 h 57 min
